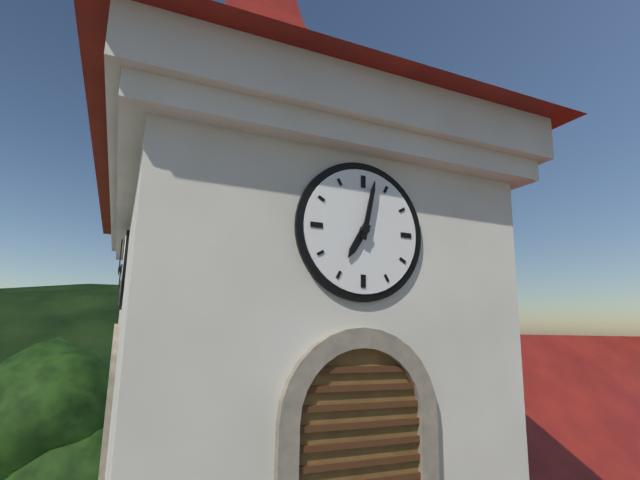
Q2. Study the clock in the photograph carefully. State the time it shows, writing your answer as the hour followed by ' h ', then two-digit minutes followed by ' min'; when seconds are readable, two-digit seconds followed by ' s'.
7 h 02 min
